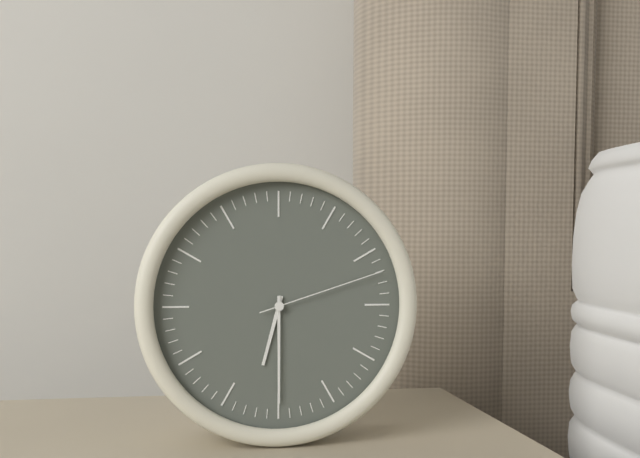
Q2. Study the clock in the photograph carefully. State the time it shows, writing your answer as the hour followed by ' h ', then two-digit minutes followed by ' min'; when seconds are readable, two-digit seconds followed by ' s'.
6 h 30 min 12 s
